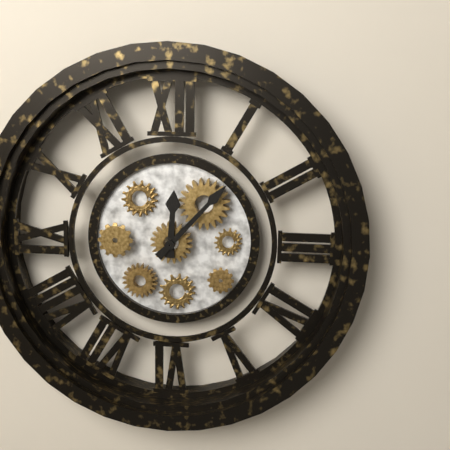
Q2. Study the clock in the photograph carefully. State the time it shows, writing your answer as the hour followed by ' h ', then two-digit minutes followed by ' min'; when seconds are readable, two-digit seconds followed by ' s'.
12 h 07 min
